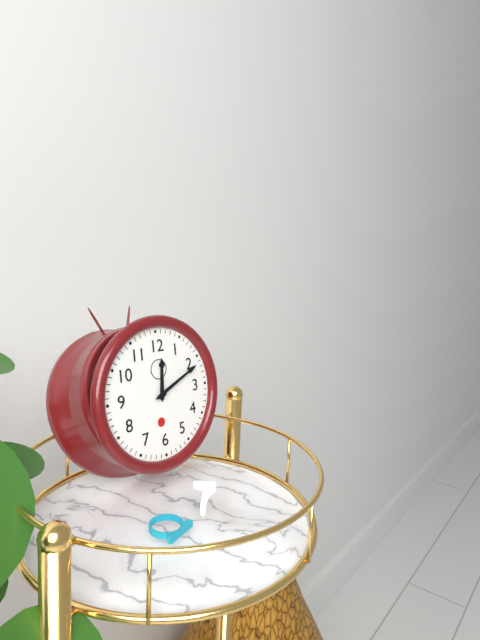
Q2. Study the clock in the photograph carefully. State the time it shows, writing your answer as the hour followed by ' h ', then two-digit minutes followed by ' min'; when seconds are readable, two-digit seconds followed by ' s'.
12 h 11 min
